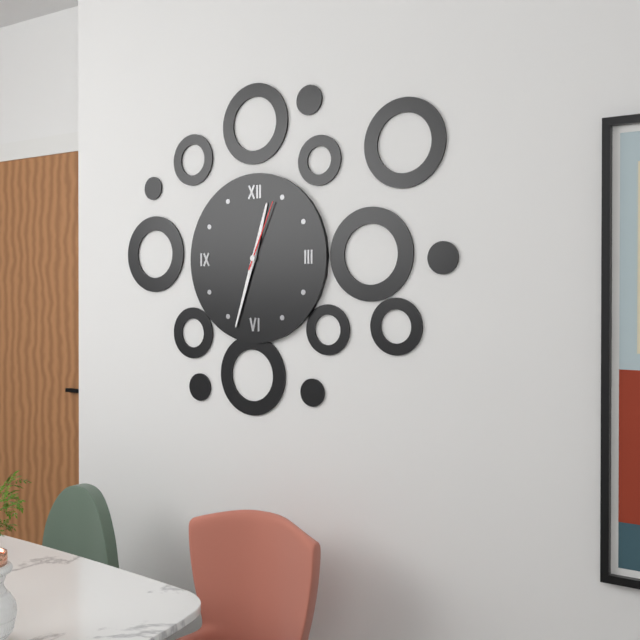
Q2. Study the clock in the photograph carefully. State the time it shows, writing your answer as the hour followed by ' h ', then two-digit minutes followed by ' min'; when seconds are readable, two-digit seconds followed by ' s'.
12 h 33 min 04 s
